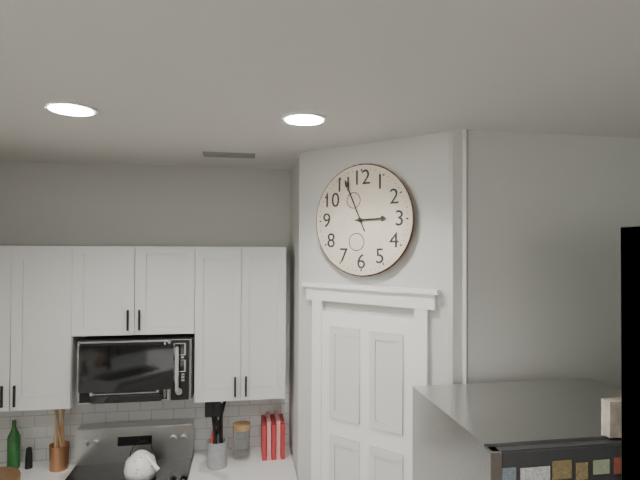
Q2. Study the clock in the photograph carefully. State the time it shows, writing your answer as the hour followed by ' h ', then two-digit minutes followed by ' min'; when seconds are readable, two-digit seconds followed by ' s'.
2 h 56 min
